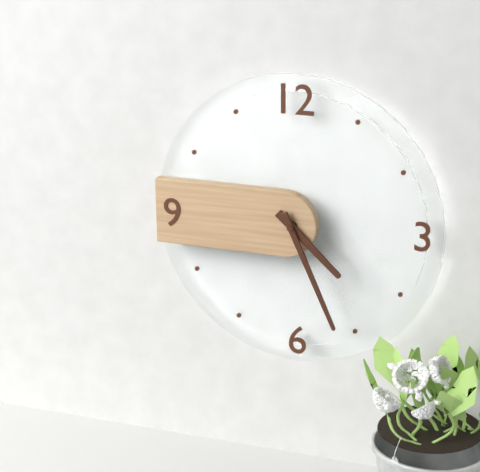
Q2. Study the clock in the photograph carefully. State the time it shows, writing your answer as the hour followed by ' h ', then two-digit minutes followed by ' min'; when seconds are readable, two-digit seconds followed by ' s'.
4 h 26 min
